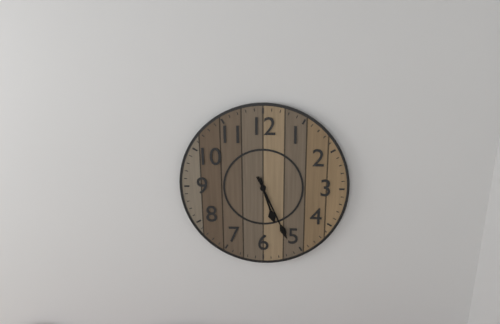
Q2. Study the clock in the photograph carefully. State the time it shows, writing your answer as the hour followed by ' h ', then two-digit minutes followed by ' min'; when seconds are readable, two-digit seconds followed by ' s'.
5 h 26 min
